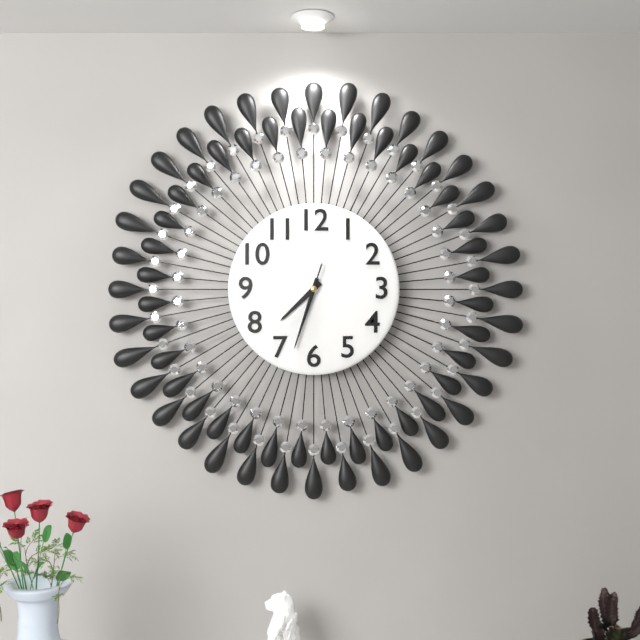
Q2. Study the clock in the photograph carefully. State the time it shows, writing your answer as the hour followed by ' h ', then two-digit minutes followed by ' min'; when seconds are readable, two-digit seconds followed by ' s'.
7 h 33 min 33 s
